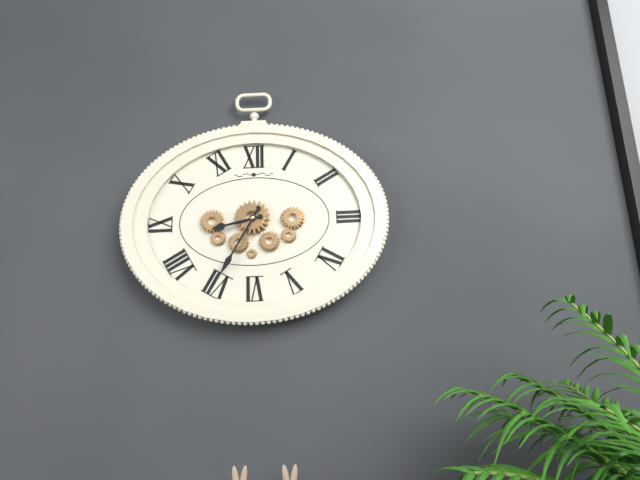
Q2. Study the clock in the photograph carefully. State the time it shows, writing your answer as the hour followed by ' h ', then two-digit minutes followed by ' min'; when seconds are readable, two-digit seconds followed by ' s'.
8 h 35 min
